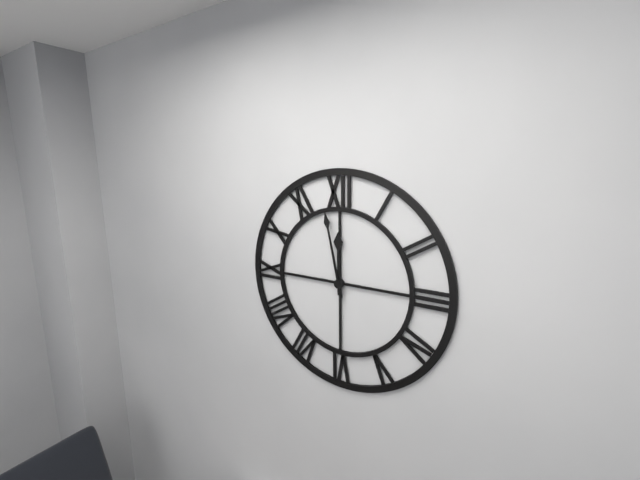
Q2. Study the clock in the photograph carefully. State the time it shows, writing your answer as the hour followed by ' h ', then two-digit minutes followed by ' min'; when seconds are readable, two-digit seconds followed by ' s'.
11 h 58 min
